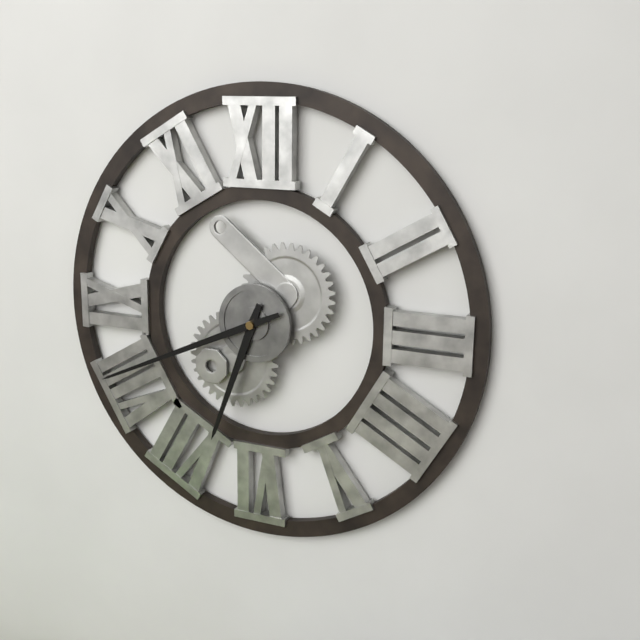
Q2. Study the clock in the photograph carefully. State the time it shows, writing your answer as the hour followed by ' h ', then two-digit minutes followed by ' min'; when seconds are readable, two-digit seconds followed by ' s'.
6 h 41 min
